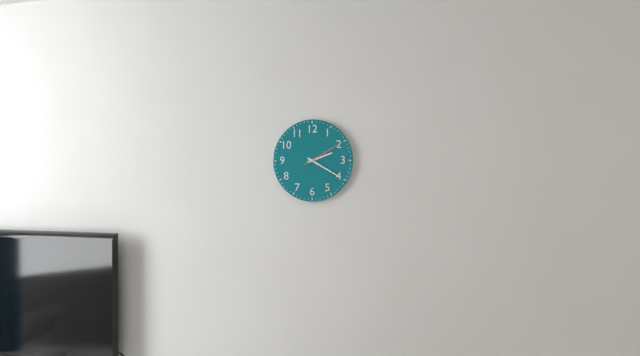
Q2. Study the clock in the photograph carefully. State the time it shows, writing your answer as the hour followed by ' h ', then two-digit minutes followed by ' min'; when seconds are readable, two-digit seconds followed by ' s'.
2 h 20 min
